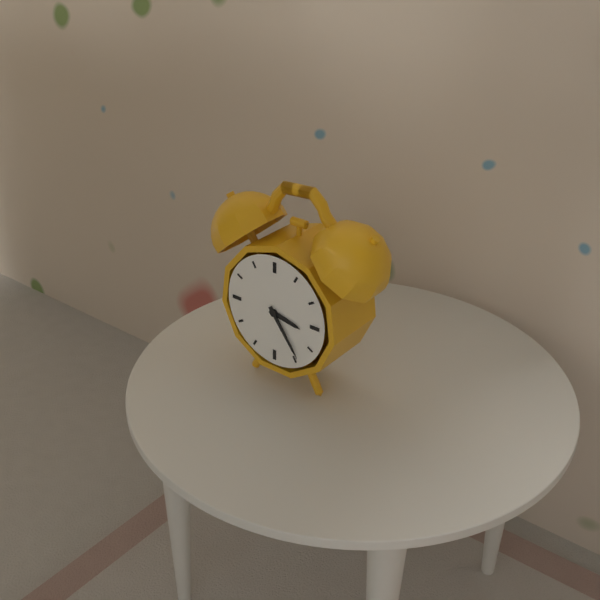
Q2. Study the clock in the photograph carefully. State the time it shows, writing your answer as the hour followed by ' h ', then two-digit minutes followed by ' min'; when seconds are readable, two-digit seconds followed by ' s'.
3 h 24 min
